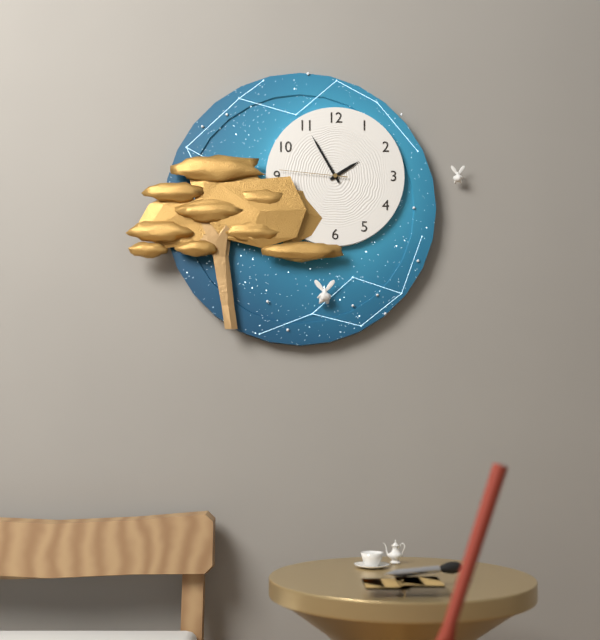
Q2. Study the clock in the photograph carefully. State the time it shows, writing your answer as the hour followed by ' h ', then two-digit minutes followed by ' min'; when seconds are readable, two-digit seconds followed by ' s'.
1 h 55 min 46 s
